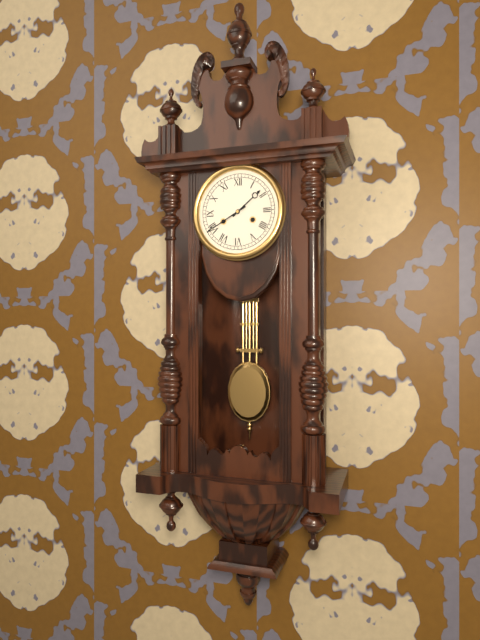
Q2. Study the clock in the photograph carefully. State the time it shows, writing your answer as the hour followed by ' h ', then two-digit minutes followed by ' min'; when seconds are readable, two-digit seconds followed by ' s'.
1 h 40 min
